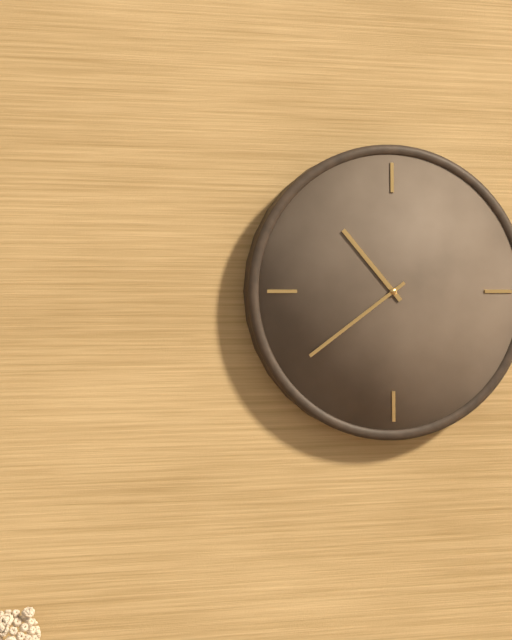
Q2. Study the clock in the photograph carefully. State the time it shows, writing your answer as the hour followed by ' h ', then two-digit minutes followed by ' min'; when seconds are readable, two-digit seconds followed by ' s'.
10 h 39 min
